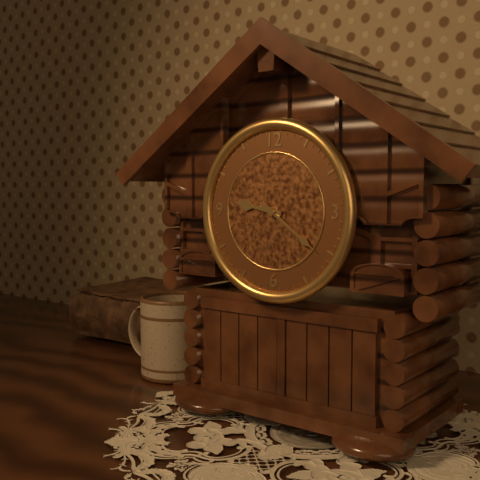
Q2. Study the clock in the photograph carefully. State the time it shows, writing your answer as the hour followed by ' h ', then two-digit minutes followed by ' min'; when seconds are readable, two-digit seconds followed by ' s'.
9 h 21 min
